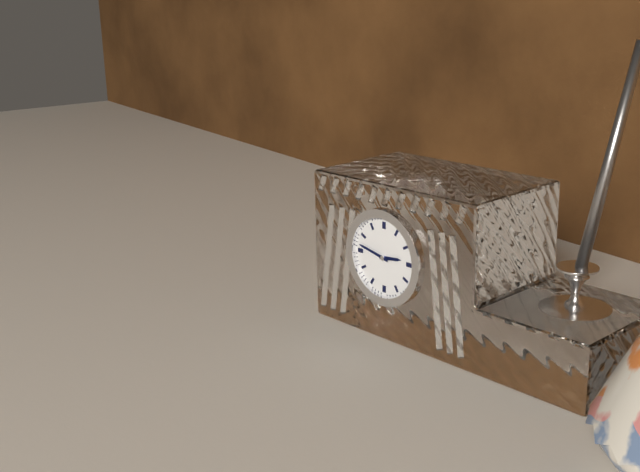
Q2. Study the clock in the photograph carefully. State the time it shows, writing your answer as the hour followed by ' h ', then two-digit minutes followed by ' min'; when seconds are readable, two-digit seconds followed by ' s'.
2 h 47 min
